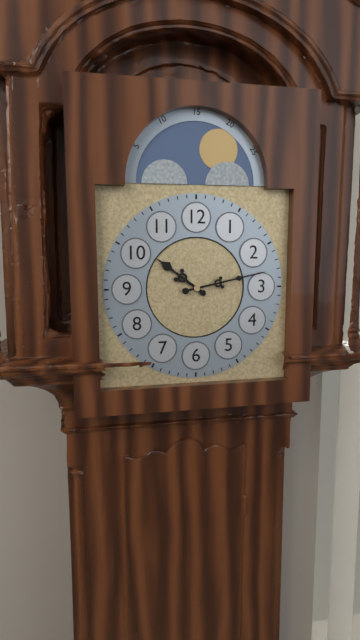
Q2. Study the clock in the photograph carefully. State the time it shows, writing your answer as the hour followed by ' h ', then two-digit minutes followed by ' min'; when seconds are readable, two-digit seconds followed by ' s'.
10 h 13 min
